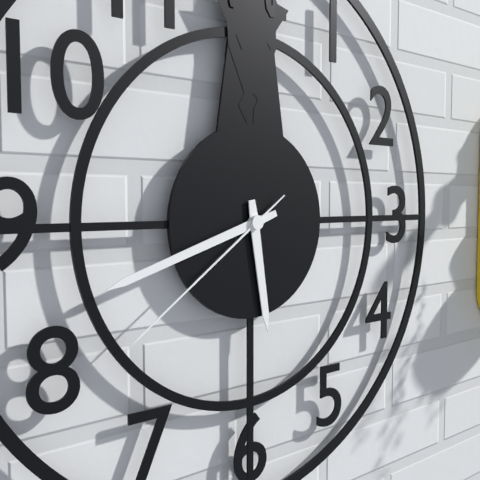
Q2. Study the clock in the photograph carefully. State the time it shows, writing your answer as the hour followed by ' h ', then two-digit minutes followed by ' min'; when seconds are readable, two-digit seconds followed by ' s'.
5 h 42 min 39 s
